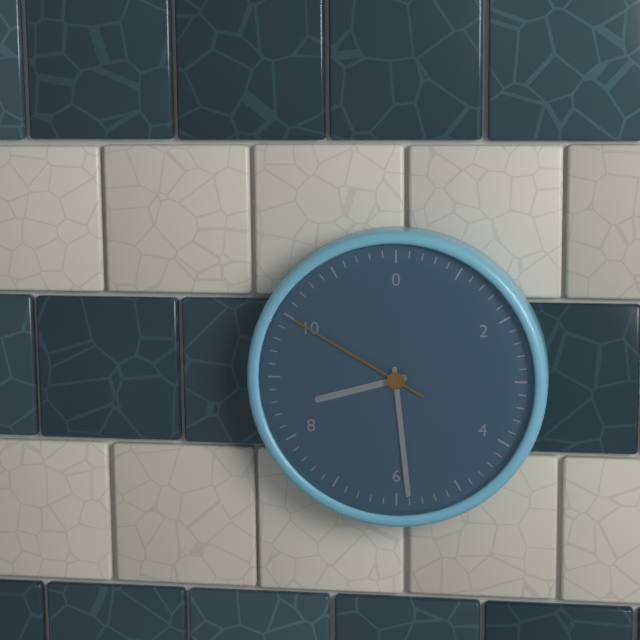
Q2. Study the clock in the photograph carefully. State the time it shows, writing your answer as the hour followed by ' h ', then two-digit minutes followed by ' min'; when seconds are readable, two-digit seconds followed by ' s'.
8 h 29 min 50 s
